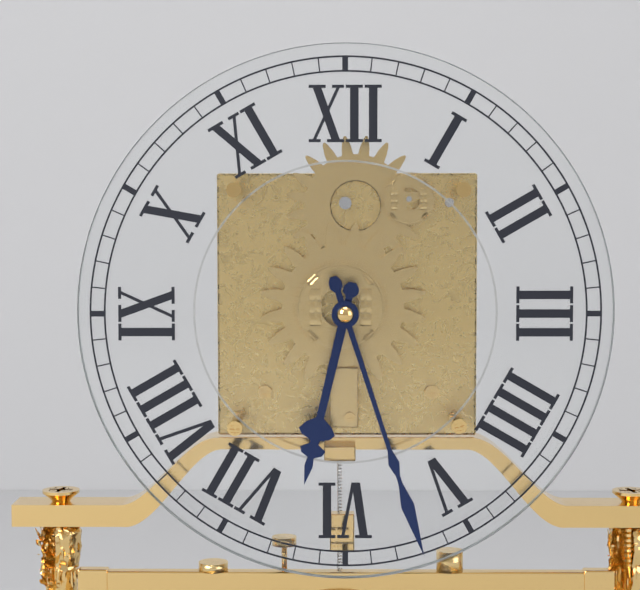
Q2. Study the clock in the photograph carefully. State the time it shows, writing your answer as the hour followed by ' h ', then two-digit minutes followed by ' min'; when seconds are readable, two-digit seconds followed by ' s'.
6 h 27 min
